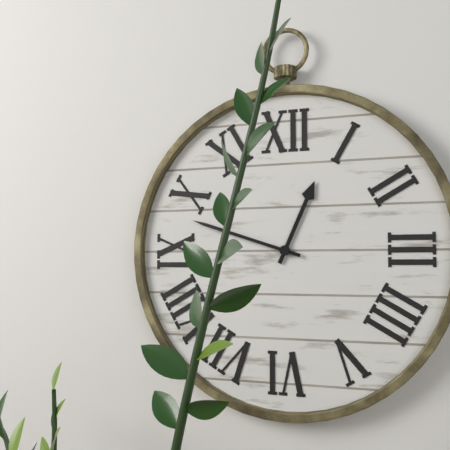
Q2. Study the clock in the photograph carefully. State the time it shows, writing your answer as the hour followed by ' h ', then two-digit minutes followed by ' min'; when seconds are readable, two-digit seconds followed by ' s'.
12 h 48 min
